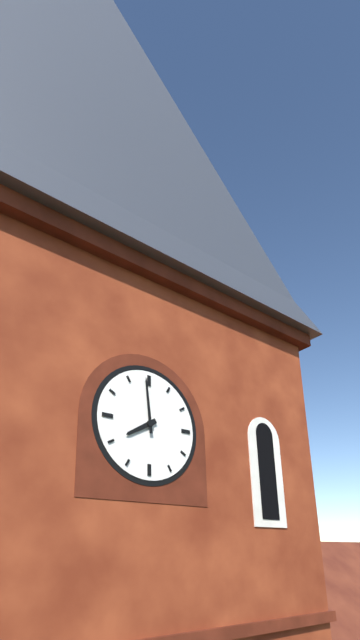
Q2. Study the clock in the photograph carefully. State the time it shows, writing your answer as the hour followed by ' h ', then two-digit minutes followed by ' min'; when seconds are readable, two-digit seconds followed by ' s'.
7 h 59 min
